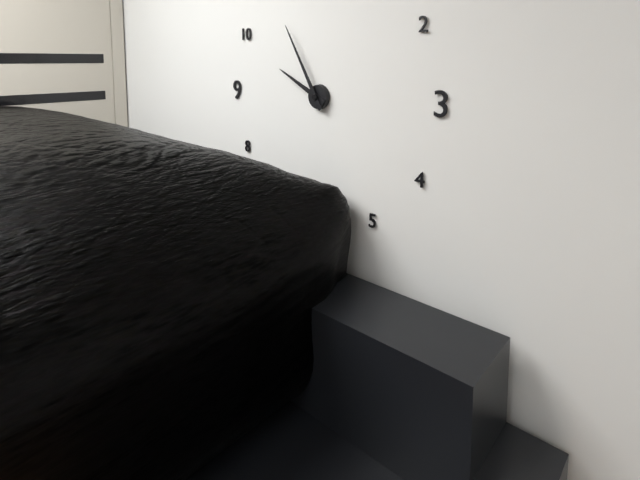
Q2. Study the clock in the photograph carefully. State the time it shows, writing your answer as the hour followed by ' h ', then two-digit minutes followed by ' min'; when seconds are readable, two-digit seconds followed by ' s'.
9 h 55 min
